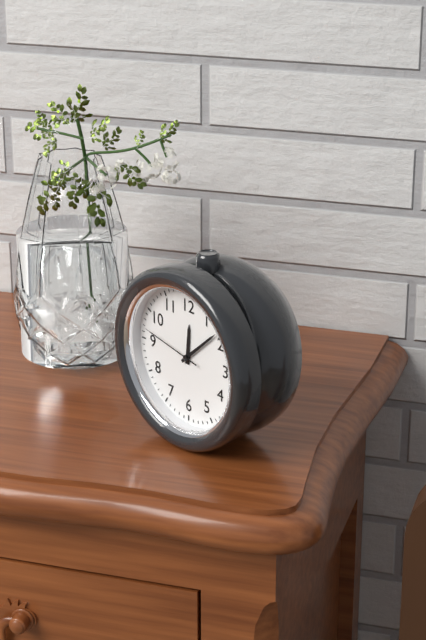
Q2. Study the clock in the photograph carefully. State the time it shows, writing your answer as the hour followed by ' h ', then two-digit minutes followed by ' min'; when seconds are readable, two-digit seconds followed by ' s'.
12 h 08 min 47 s
